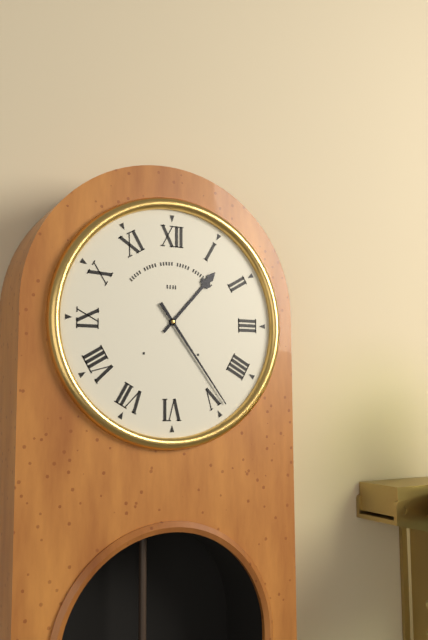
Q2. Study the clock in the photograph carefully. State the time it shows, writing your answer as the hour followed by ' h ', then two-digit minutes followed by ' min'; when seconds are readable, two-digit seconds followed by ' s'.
1 h 24 min
